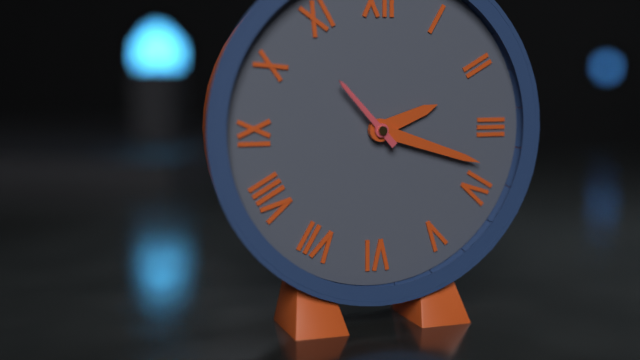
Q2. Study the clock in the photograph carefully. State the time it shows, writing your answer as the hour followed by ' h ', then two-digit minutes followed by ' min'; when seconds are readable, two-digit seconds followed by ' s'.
2 h 18 min 53 s
